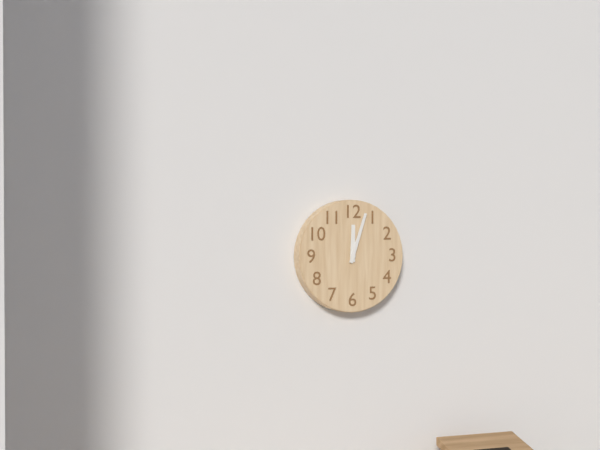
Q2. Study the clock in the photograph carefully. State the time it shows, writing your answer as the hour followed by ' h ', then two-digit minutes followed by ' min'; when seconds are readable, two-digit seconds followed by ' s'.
12 h 03 min
